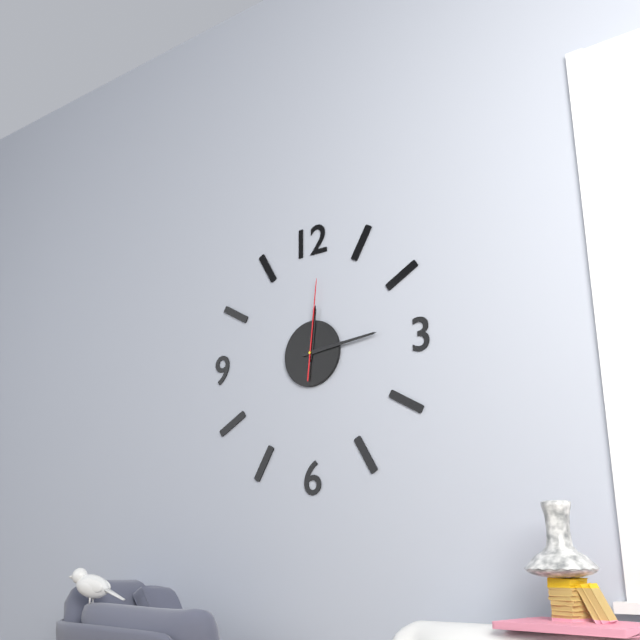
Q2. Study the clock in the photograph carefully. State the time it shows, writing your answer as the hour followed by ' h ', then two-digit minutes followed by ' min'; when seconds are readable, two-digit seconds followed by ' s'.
12 h 14 min 01 s
